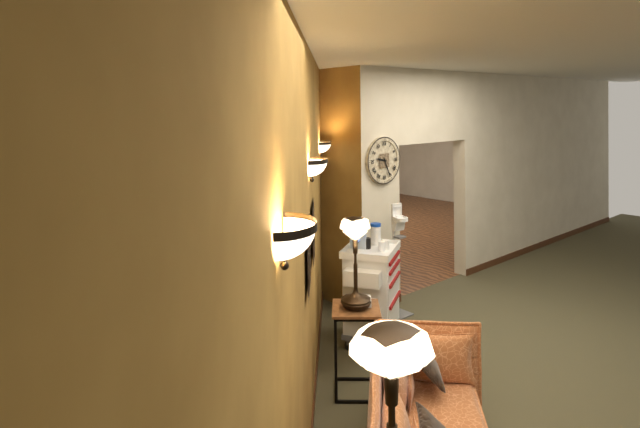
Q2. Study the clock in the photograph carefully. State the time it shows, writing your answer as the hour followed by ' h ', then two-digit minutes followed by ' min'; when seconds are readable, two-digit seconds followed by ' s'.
9 h 26 min
